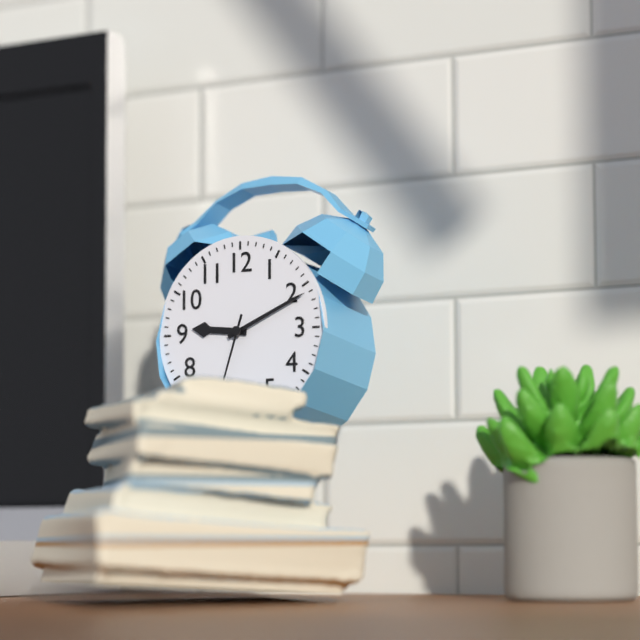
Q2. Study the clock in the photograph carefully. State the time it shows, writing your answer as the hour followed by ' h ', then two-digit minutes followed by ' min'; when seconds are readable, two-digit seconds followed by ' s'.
9 h 11 min
